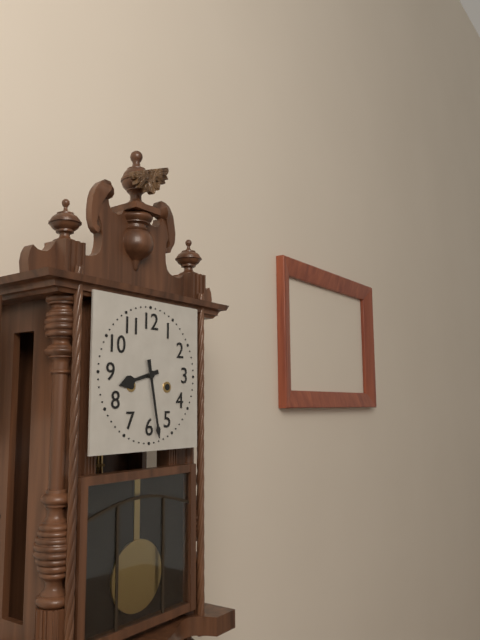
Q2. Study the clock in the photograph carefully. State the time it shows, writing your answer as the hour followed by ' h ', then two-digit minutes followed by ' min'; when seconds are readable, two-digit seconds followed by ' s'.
8 h 28 min
